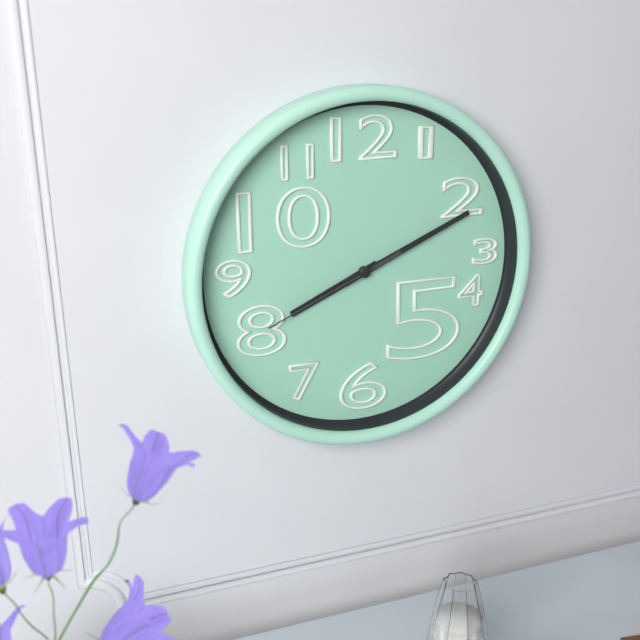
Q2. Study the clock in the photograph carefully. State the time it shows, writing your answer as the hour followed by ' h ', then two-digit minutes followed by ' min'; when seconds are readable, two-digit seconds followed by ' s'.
8 h 11 min 41 s
